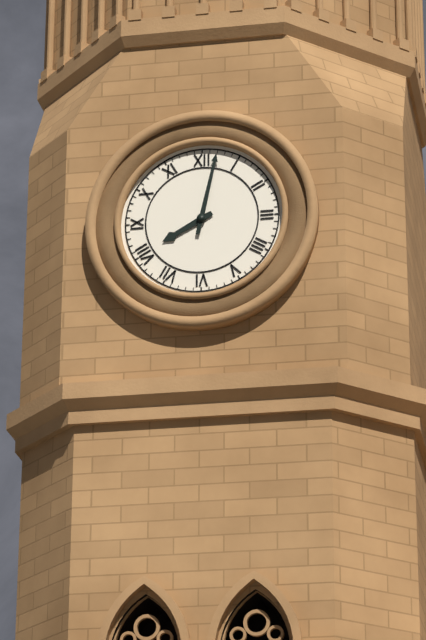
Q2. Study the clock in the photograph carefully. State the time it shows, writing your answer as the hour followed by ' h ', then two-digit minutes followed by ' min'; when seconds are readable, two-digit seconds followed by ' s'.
8 h 02 min
